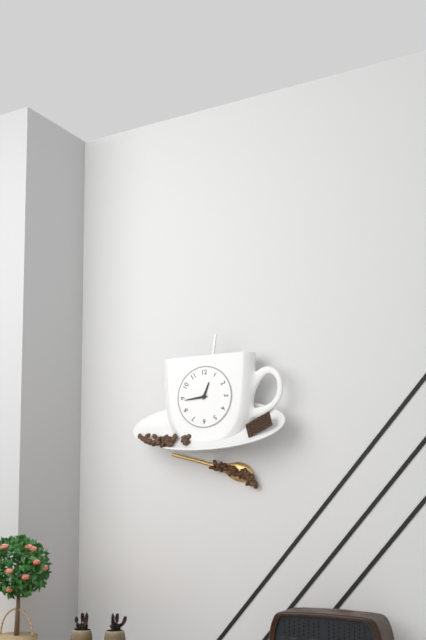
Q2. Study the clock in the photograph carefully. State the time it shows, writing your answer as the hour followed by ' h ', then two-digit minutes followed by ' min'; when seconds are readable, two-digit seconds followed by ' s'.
12 h 44 min
